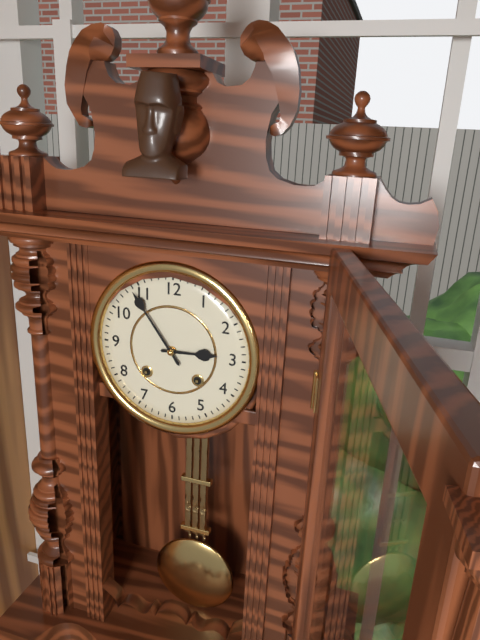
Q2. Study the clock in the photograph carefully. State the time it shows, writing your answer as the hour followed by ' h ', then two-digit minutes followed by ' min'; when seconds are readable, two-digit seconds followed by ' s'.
2 h 54 min
